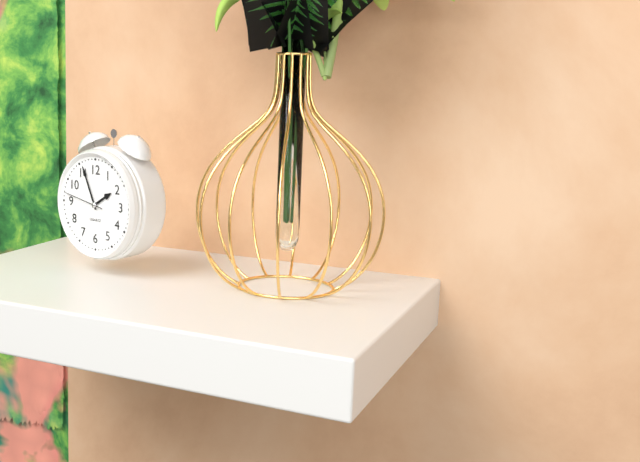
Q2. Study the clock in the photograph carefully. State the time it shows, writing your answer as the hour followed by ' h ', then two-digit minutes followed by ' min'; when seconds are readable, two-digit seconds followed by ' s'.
1 h 56 min
